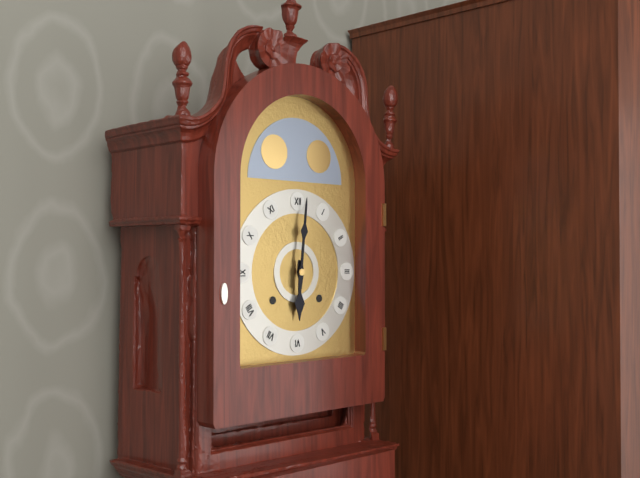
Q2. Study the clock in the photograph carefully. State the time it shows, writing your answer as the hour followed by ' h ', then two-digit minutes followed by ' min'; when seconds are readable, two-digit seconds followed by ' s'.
6 h 01 min
